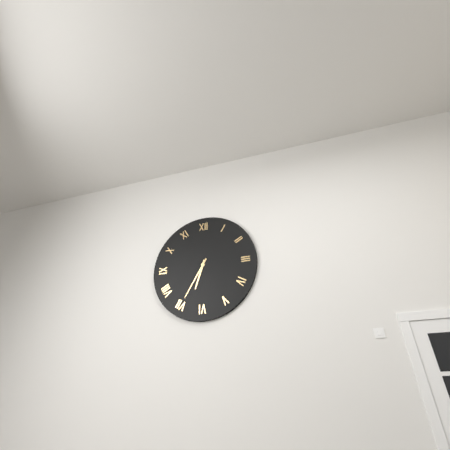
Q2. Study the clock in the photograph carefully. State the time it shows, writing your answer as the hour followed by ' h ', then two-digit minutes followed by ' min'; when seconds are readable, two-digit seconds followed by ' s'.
6 h 35 min
